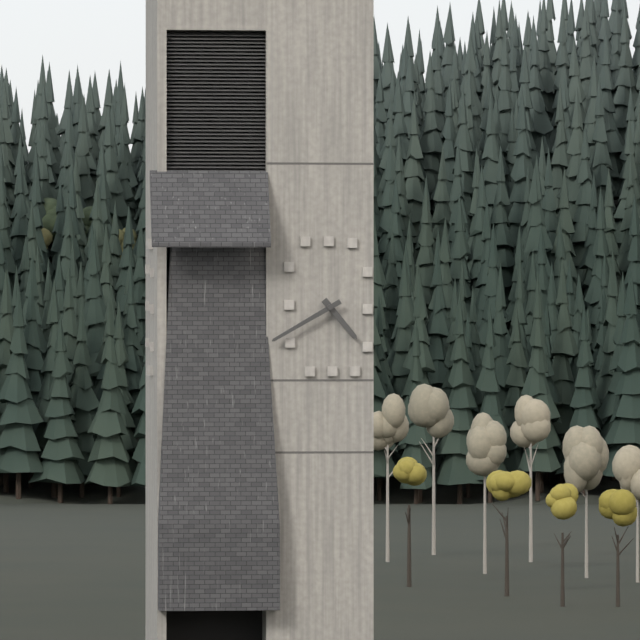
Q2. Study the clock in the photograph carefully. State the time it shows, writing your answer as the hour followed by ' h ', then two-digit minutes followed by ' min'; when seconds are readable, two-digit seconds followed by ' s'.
4 h 40 min
